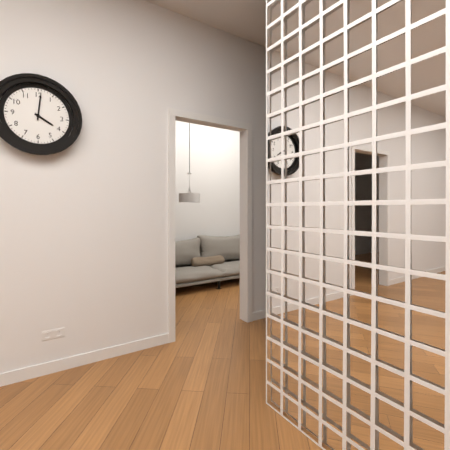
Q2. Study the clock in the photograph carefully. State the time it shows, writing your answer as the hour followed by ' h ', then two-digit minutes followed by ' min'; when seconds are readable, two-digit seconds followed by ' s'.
4 h 01 min
